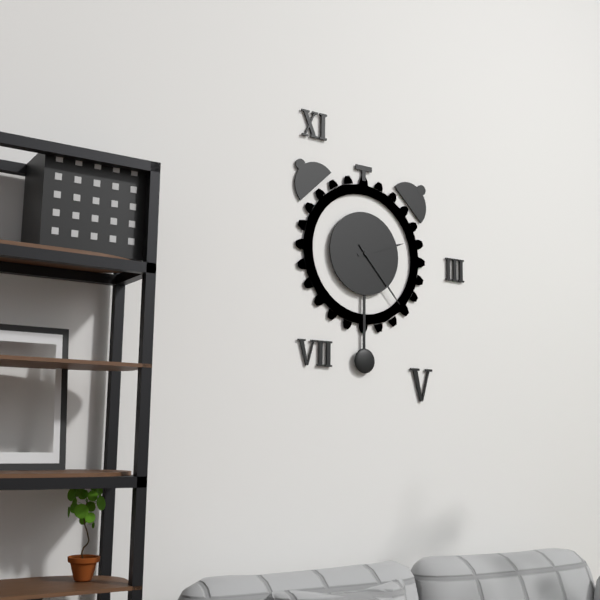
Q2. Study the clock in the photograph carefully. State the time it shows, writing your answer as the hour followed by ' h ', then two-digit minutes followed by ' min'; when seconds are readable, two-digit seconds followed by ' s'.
2 h 23 min
